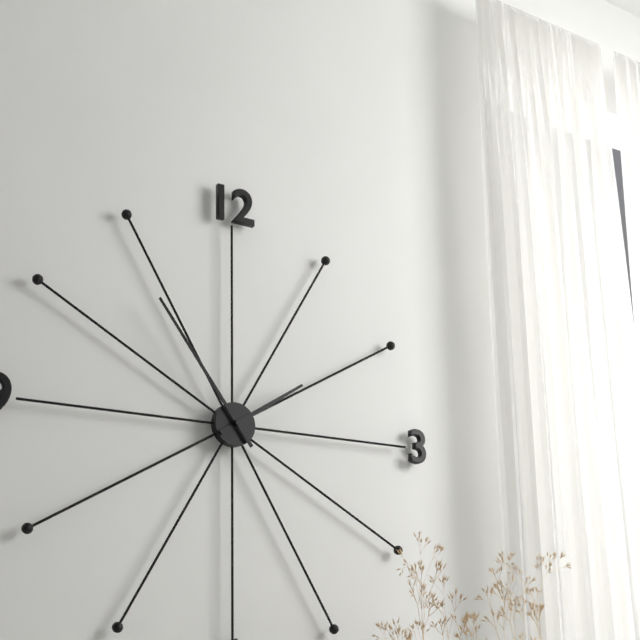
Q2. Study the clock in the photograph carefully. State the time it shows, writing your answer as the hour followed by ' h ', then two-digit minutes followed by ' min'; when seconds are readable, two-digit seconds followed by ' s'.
1 h 54 min
